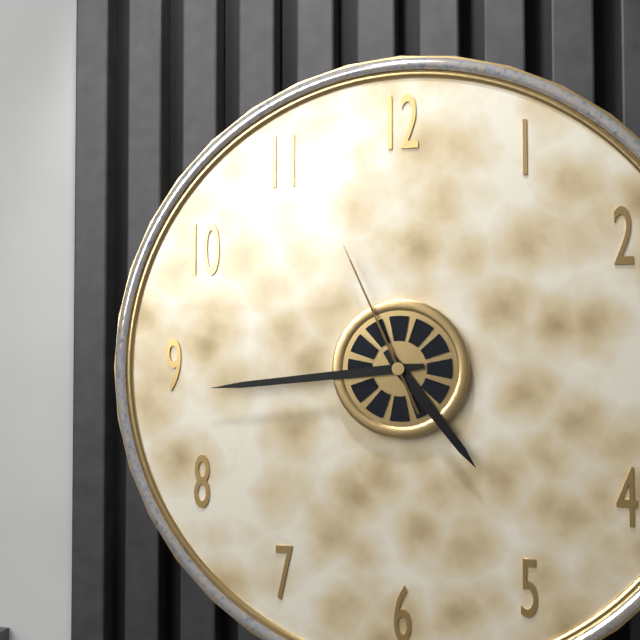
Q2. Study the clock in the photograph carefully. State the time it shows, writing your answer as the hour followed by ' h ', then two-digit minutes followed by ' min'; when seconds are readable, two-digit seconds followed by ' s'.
4 h 44 min 56 s
